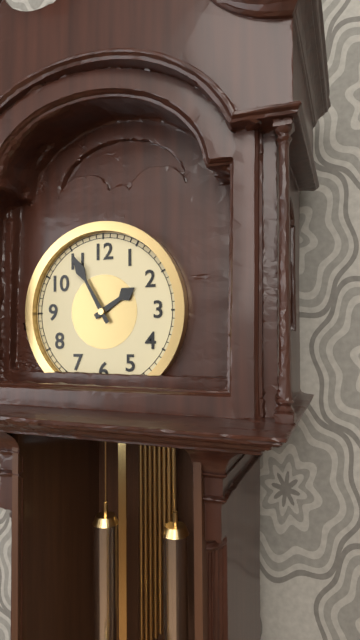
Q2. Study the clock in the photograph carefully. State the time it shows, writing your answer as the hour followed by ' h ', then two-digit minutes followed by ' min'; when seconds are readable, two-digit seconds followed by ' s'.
1 h 55 min
